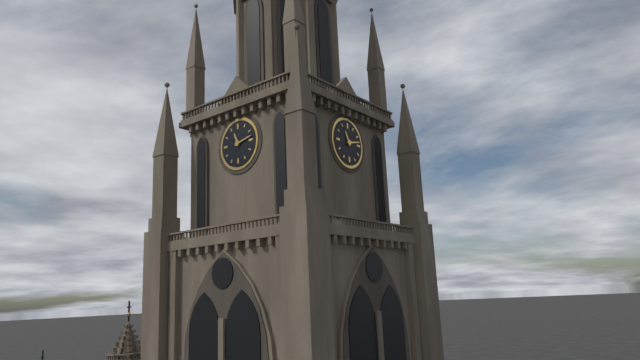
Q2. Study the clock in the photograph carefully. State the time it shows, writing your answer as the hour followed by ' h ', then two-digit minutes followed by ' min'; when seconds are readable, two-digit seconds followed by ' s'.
11 h 13 min
